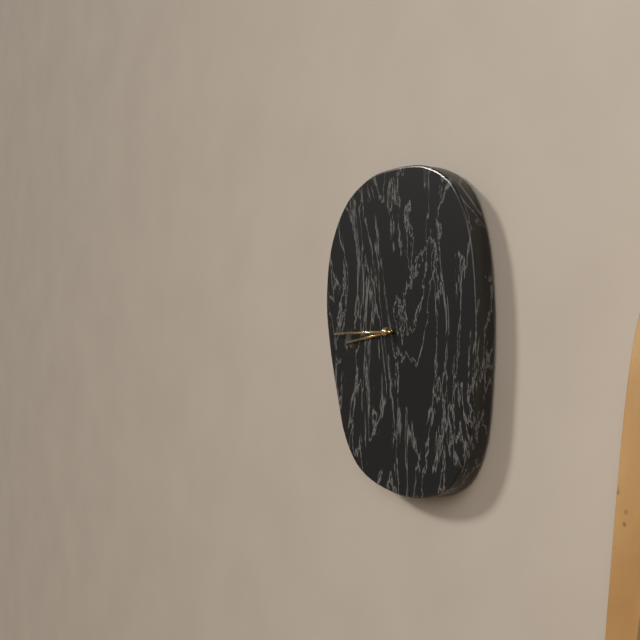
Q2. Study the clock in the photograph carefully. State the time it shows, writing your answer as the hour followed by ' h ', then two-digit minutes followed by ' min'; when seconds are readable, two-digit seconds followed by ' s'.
8 h 45 min
